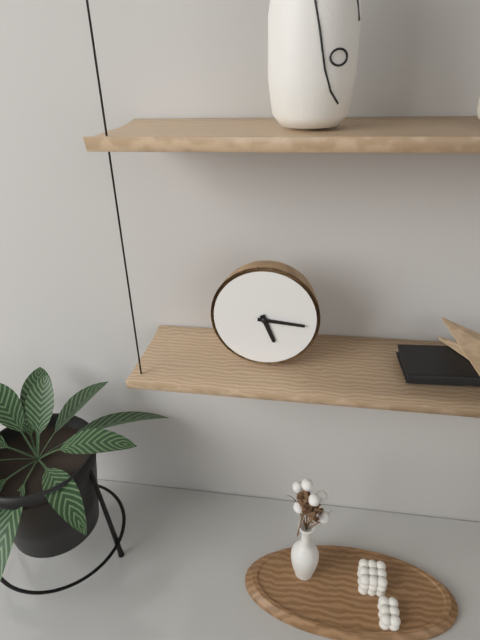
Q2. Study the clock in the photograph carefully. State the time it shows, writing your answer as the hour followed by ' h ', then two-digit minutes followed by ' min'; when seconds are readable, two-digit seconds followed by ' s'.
5 h 16 min
